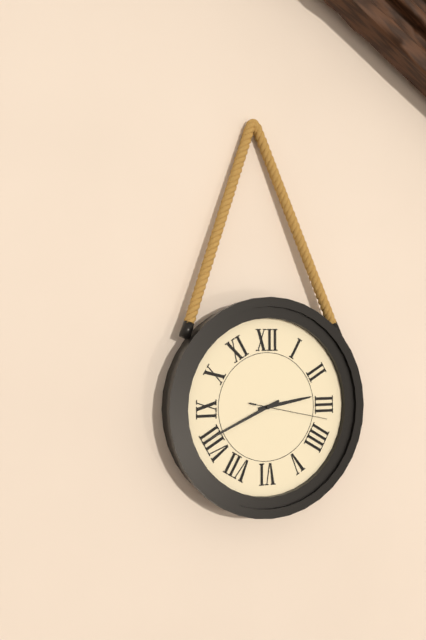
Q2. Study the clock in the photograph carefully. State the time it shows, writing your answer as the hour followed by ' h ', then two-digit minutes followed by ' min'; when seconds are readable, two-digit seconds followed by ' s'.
2 h 41 min 17 s
